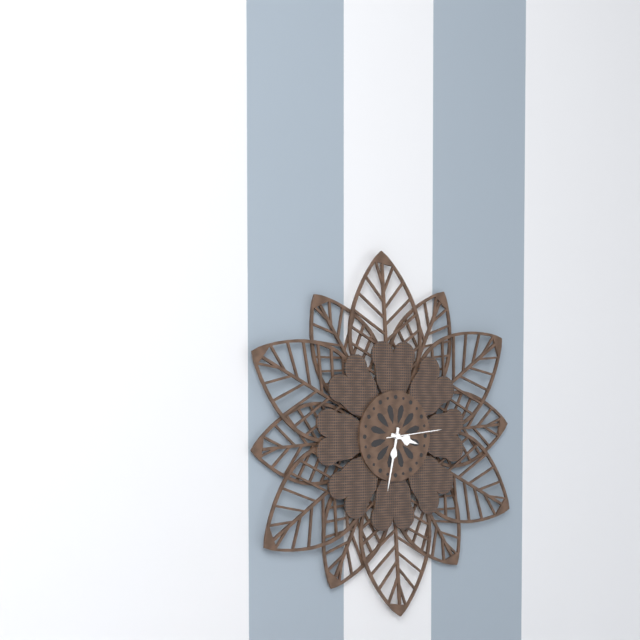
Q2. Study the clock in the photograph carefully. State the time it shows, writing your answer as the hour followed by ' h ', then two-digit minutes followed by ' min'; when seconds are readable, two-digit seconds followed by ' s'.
3 h 32 min 14 s
